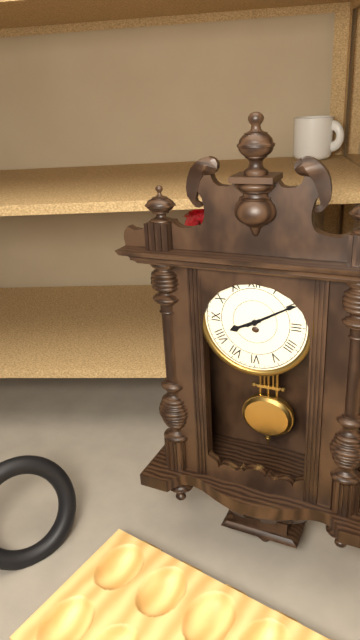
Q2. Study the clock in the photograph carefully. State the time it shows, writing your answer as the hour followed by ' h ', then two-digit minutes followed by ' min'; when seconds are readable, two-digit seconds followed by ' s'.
8 h 10 min
